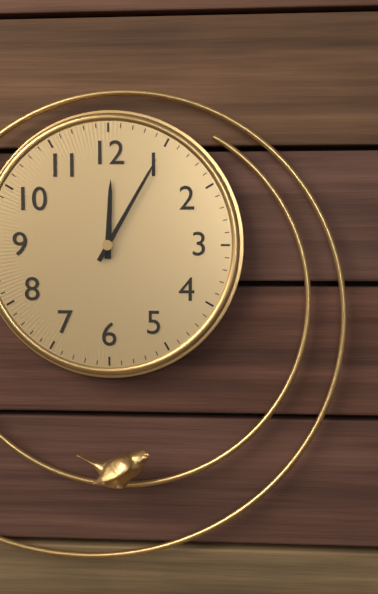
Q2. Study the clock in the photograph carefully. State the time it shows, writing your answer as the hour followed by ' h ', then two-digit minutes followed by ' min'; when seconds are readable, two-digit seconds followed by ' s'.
12 h 05 min
